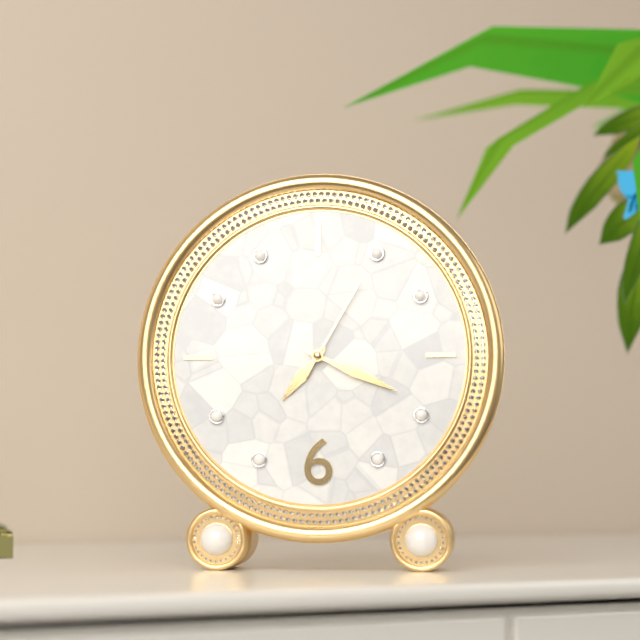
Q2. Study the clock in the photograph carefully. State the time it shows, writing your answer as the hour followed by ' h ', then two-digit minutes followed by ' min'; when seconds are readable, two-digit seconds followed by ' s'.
7 h 19 min 05 s
